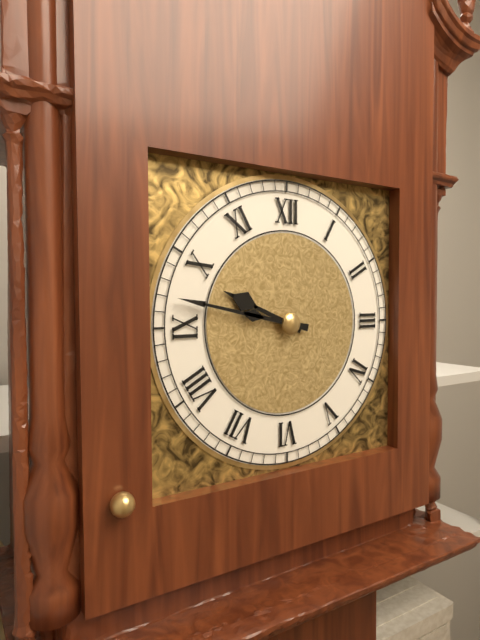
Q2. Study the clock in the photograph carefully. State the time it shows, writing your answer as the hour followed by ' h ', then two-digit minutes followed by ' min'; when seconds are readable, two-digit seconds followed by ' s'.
9 h 47 min
